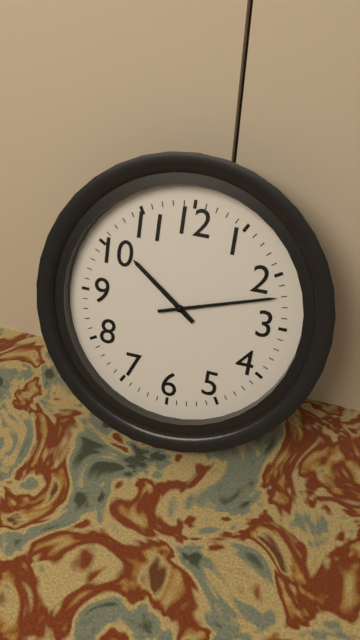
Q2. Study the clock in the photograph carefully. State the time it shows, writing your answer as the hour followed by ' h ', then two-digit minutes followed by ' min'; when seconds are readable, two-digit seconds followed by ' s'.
10 h 12 min
